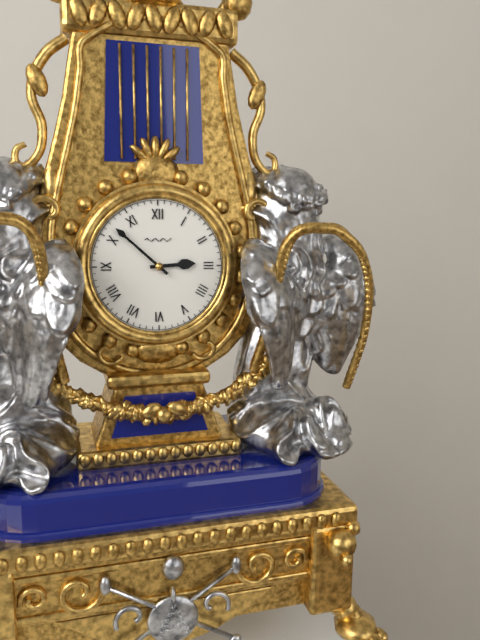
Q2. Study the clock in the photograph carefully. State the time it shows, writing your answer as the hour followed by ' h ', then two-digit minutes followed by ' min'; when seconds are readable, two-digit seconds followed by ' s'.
2 h 52 min
